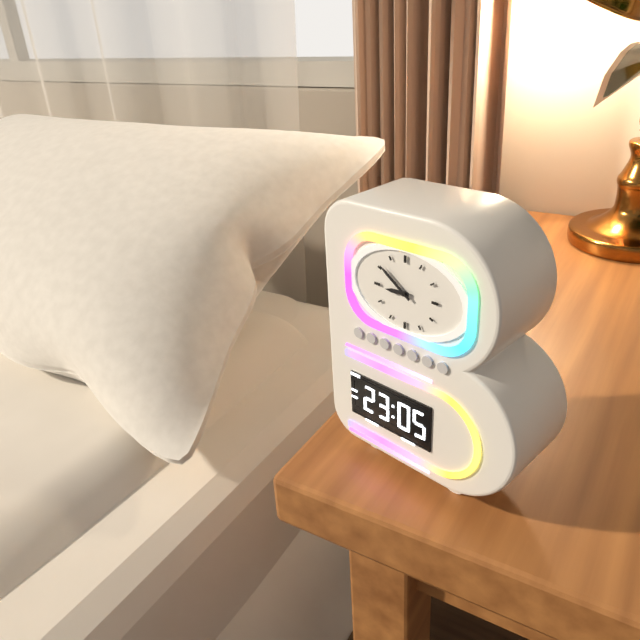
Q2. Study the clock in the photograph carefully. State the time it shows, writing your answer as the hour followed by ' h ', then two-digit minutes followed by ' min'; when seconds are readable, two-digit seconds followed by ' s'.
8 h 51 min
